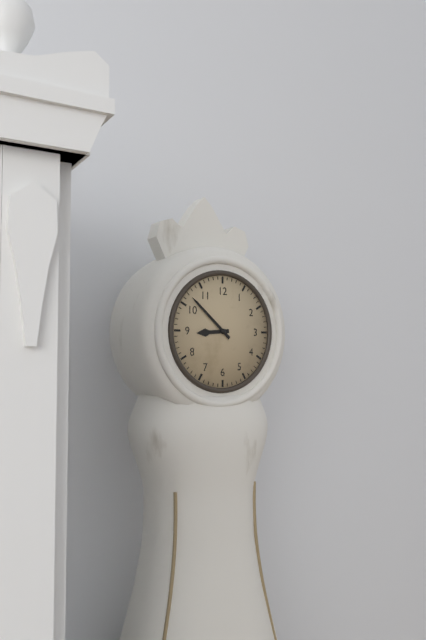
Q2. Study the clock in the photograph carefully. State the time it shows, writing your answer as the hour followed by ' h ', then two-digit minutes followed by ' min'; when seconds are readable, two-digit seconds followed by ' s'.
8 h 52 min
